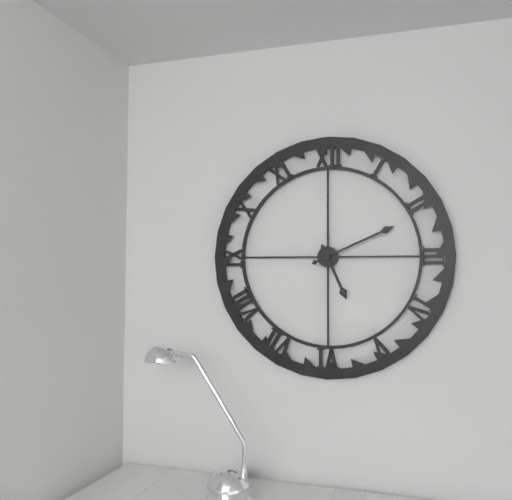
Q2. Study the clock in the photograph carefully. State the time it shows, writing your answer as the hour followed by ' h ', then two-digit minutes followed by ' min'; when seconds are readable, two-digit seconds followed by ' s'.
5 h 11 min
